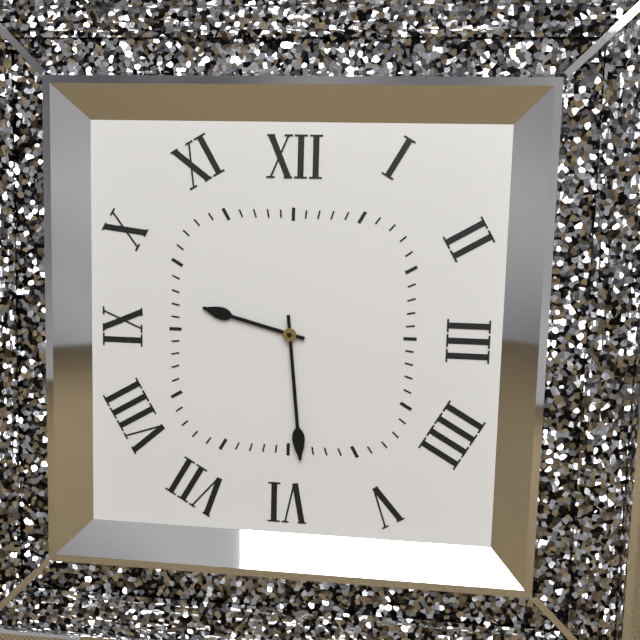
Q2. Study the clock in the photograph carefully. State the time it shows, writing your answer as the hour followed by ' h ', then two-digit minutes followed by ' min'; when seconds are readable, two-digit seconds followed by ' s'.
9 h 29 min
